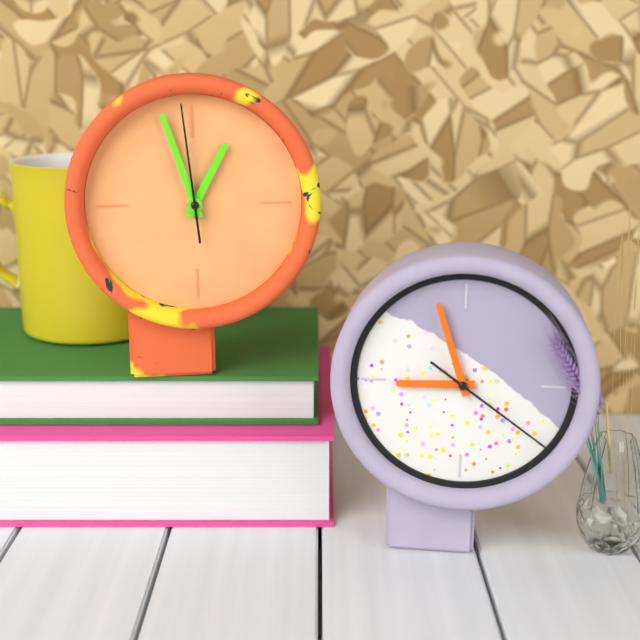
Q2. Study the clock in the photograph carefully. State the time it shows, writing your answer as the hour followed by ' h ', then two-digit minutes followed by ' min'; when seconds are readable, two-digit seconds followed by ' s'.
12 h 57 min 59 s
